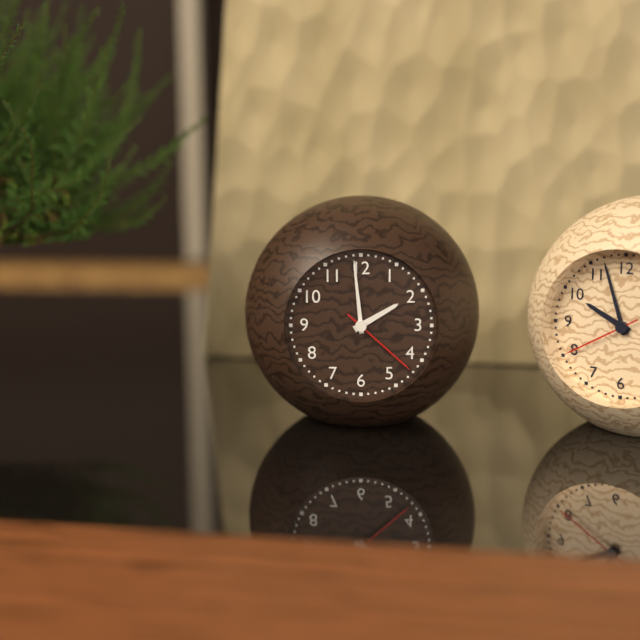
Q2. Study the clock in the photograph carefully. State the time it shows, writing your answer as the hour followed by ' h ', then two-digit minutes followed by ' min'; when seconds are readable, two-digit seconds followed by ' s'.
1 h 59 min 22 s
